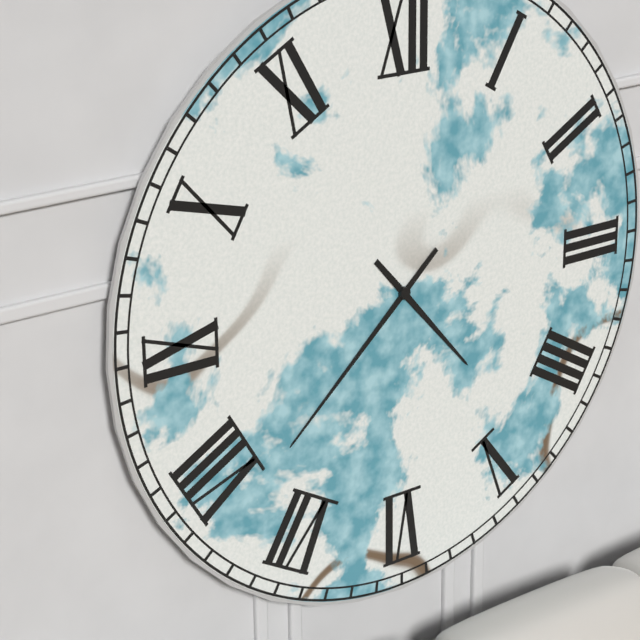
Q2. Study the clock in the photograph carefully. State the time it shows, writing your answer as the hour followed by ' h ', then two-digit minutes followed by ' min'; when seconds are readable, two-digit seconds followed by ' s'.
4 h 38 min
